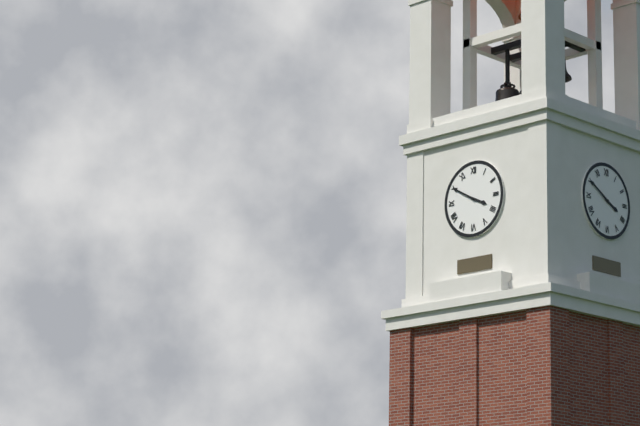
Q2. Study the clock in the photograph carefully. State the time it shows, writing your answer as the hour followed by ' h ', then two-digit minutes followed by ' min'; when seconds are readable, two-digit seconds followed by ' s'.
3 h 50 min
